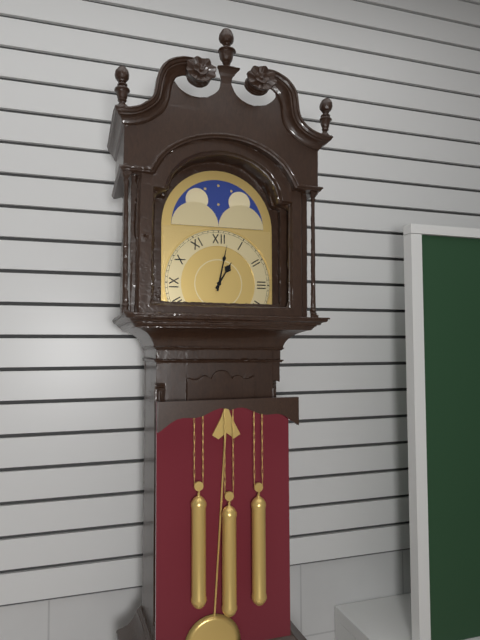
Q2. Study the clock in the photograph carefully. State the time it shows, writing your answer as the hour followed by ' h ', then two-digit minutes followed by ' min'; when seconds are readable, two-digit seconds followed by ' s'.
1 h 02 min
